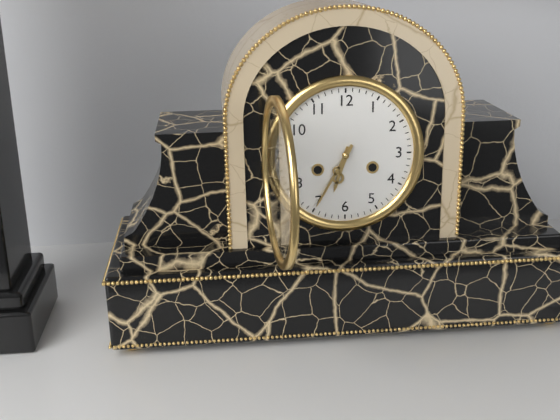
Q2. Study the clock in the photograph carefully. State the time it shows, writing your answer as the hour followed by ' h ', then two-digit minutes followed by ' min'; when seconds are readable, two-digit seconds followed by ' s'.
6 h 35 min
